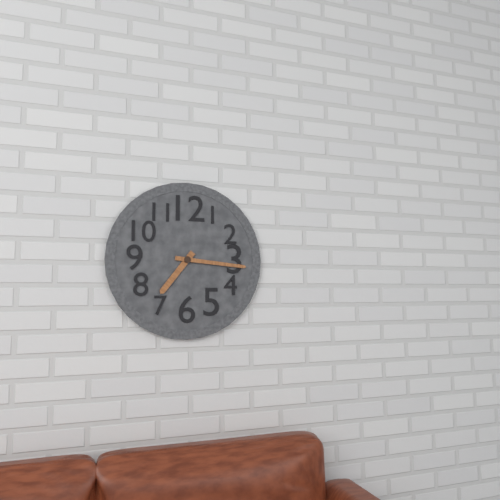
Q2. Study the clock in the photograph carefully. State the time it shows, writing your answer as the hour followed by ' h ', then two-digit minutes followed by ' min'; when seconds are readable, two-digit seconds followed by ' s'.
7 h 16 min
